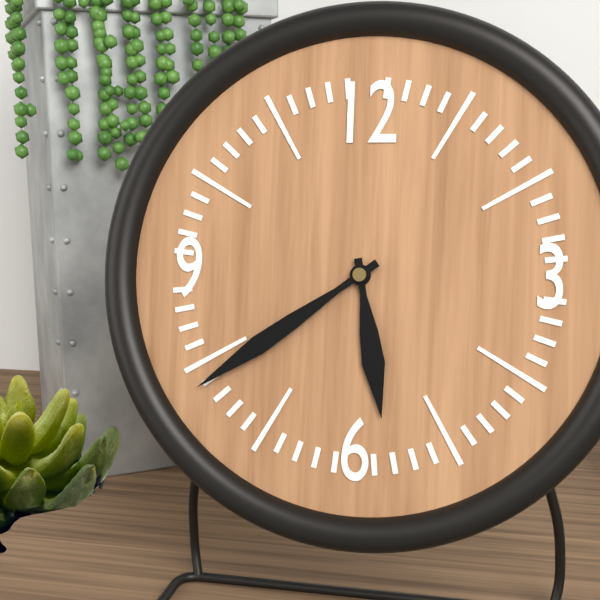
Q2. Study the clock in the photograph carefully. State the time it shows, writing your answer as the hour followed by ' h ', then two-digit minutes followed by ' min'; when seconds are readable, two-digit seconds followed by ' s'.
5 h 39 min
